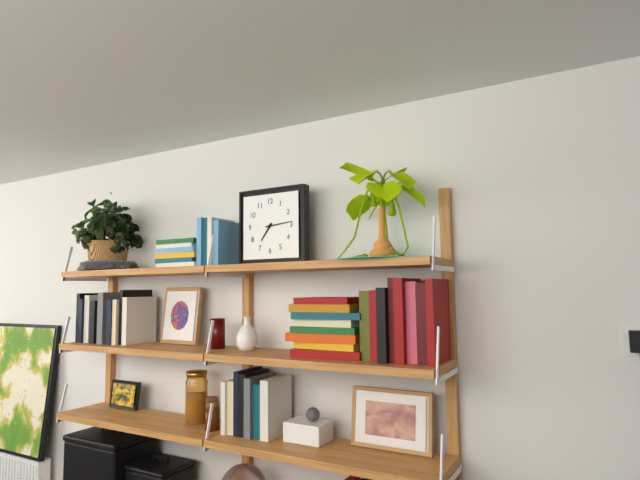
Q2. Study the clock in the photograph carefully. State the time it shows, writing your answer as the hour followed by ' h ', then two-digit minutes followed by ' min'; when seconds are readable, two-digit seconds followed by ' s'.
7 h 14 min
